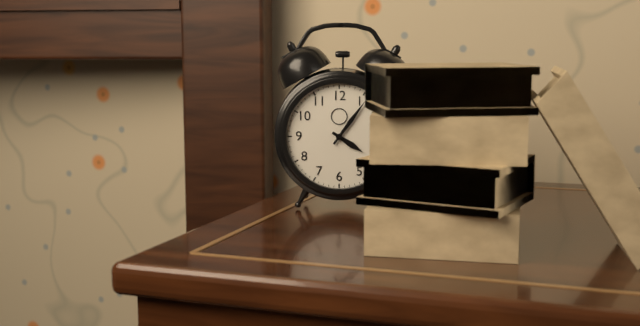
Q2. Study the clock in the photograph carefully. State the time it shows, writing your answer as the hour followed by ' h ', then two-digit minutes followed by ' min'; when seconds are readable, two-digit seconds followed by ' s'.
4 h 06 min
